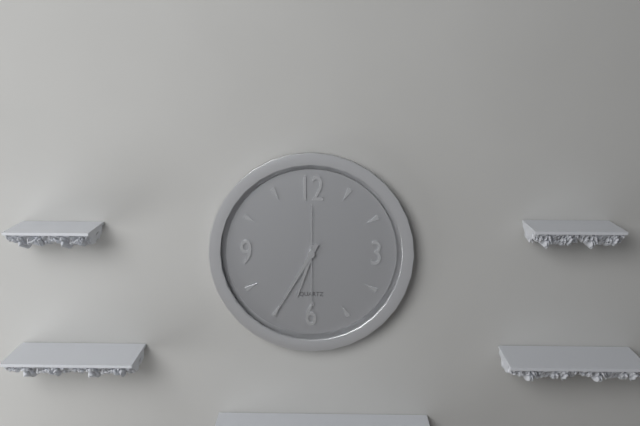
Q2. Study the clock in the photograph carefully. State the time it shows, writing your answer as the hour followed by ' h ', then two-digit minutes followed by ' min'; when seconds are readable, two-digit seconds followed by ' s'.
6 h 35 min 30 s
